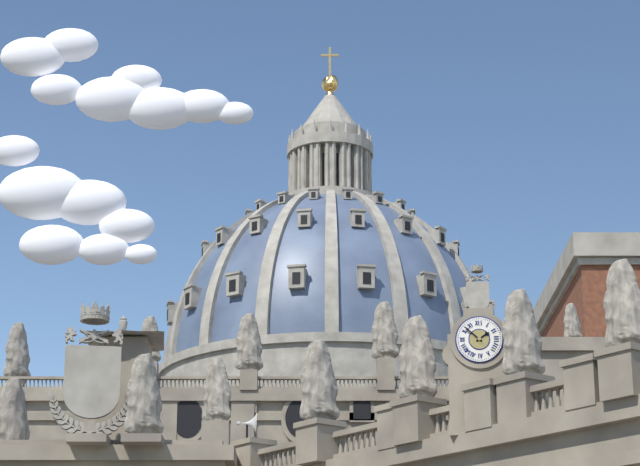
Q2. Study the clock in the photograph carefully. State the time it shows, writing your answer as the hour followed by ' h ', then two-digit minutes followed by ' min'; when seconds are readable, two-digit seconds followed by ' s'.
1 h 52 min
